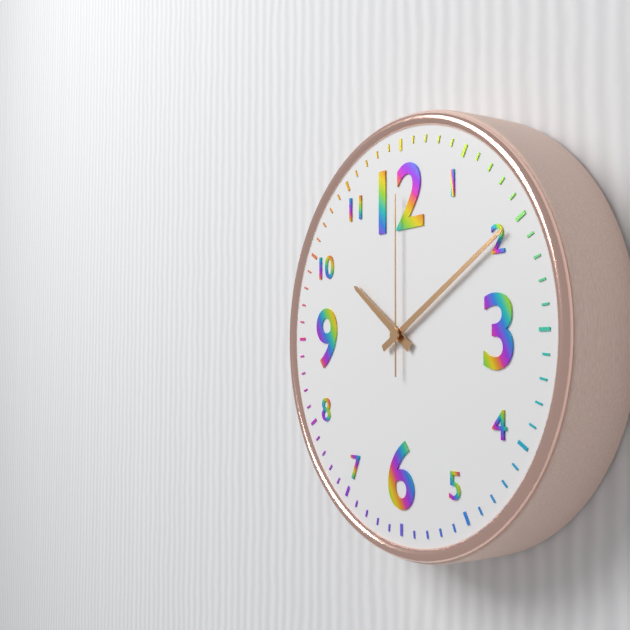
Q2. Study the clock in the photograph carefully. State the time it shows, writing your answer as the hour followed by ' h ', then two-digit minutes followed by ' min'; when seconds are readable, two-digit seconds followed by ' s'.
10 h 10 min 00 s
